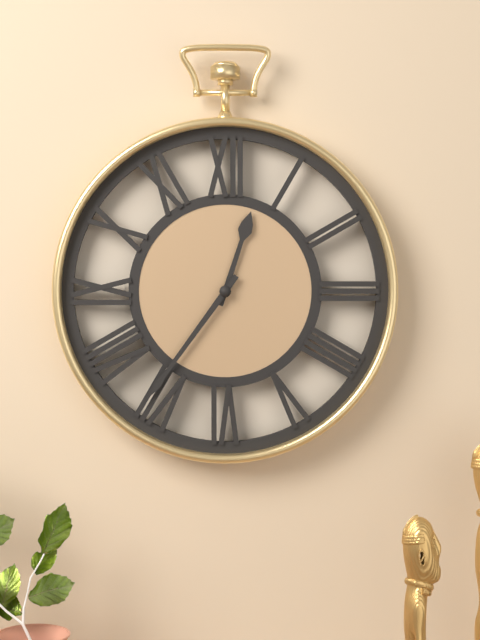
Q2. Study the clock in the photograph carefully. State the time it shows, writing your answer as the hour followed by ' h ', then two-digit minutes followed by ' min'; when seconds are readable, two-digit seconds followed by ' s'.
12 h 36 min
